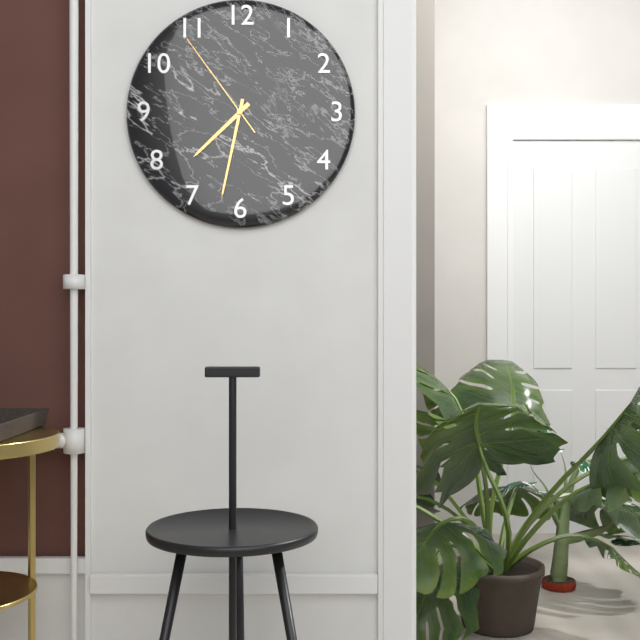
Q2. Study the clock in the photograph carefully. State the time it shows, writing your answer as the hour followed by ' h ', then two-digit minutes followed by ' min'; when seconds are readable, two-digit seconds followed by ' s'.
7 h 32 min 54 s
